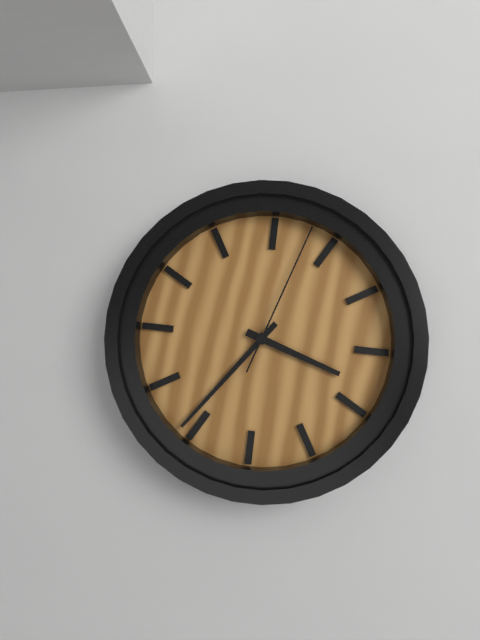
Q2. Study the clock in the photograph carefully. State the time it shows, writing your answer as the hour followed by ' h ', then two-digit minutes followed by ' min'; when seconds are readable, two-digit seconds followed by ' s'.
3 h 36 min 03 s
